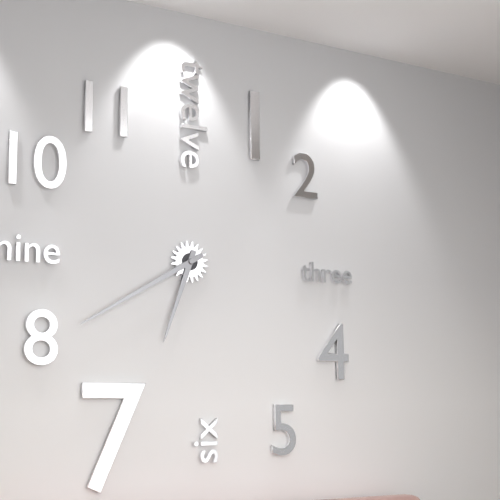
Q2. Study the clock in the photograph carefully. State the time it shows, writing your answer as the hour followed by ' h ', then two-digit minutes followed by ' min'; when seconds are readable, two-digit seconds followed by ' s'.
6 h 40 min
